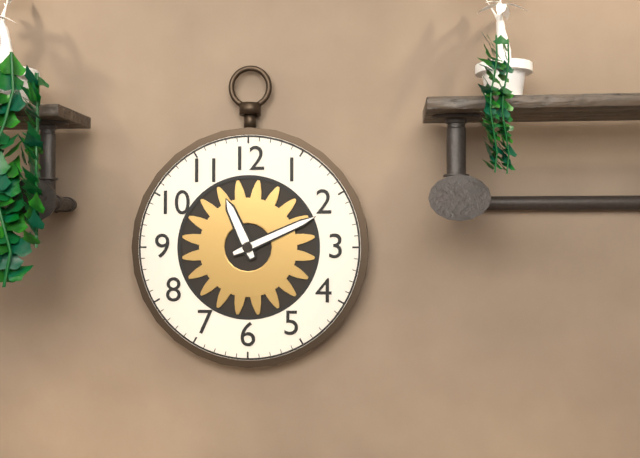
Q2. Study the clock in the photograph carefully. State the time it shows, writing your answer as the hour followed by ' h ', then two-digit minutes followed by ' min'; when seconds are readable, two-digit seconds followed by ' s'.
11 h 11 min
